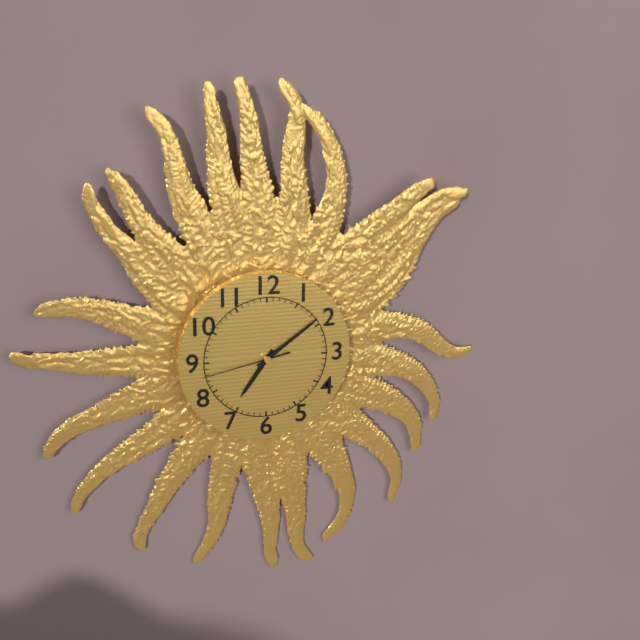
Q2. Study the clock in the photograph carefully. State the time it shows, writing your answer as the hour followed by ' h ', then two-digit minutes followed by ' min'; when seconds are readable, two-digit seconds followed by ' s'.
7 h 09 min 43 s
